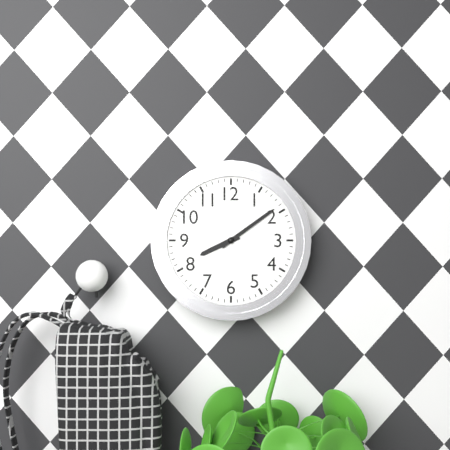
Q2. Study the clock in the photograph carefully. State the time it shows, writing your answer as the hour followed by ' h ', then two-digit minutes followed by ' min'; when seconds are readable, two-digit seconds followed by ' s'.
8 h 09 min
